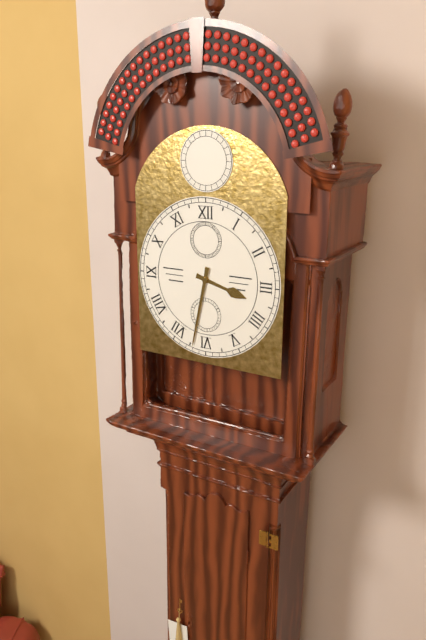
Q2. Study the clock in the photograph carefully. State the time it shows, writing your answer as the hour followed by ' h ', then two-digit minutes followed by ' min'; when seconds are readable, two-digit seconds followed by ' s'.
3 h 32 min
